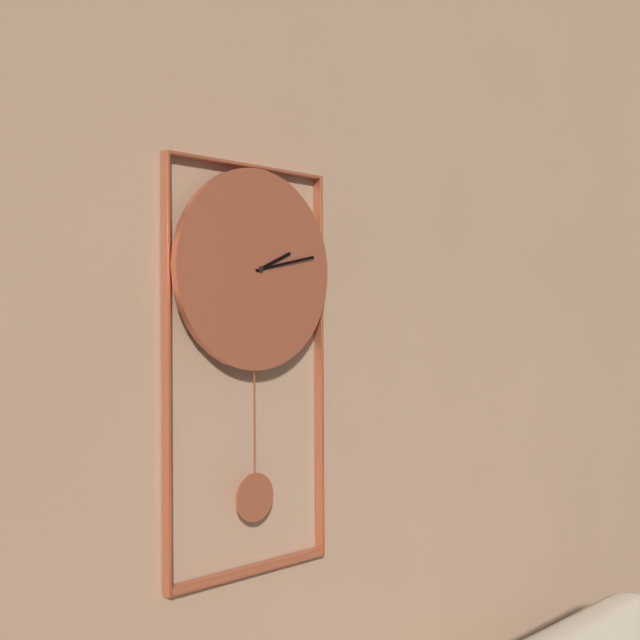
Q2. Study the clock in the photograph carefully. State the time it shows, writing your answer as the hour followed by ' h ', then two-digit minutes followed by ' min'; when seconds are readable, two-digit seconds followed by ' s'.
2 h 13 min
